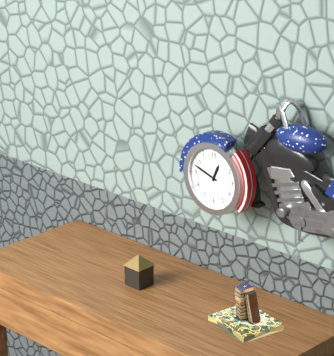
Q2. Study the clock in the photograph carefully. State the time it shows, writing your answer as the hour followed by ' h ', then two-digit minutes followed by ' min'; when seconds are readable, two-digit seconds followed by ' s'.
12 h 48 min
